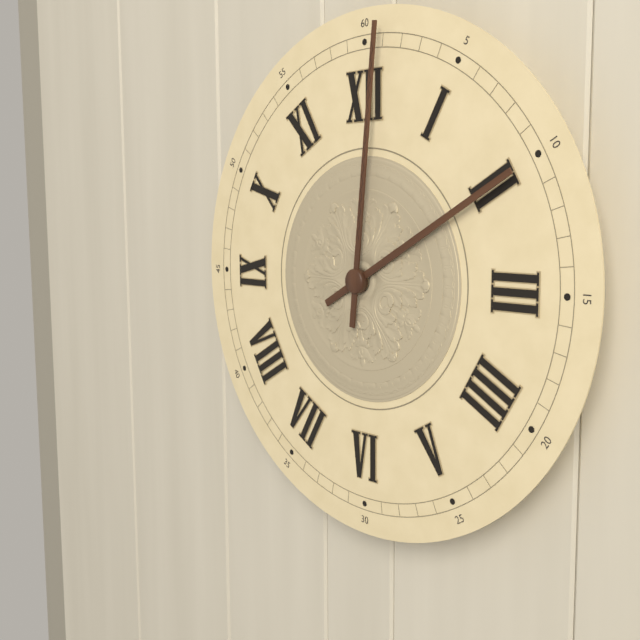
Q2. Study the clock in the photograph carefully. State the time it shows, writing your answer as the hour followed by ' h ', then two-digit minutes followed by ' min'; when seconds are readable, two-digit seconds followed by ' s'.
2 h 01 min
